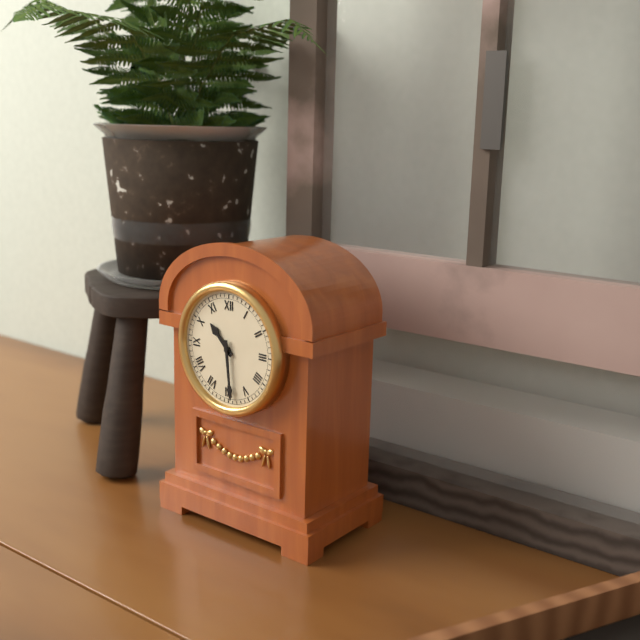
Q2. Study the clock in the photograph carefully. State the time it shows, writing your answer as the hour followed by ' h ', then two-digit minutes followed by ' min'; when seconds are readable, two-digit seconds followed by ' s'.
10 h 29 min
